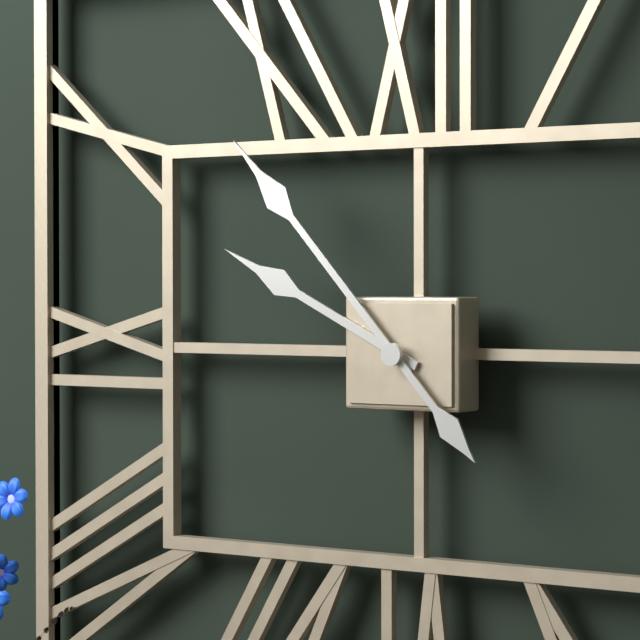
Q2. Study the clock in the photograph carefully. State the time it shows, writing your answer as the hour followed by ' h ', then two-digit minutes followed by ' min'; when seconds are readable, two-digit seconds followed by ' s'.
9 h 53 min
